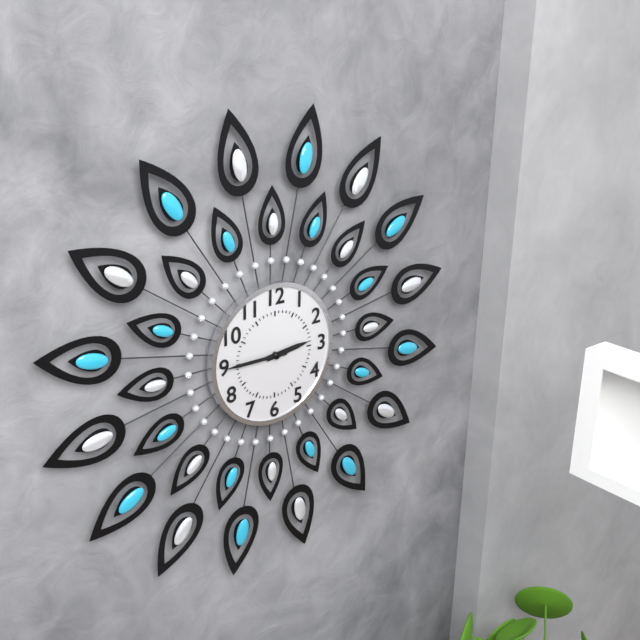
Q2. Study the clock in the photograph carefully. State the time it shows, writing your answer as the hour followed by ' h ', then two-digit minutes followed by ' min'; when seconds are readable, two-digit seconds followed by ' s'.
2 h 45 min
